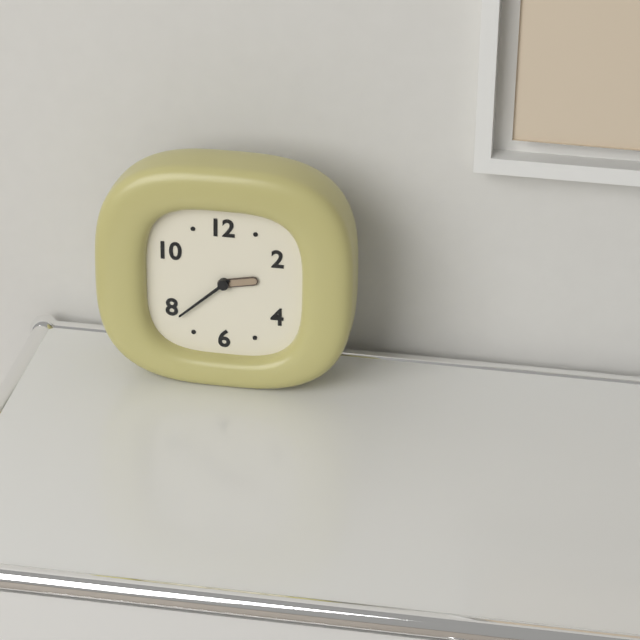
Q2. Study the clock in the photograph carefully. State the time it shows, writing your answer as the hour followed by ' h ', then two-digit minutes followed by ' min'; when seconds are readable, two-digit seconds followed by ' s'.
2 h 38 min
